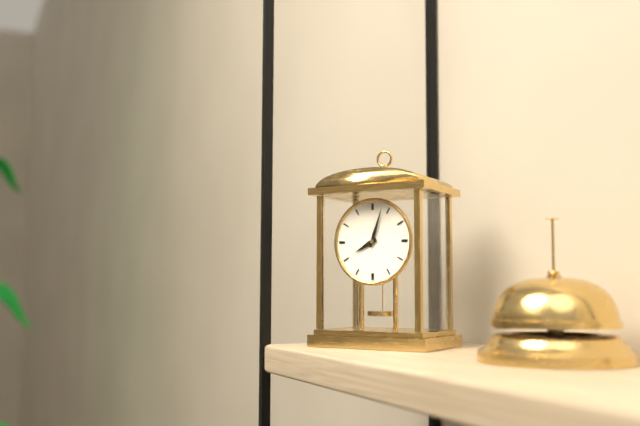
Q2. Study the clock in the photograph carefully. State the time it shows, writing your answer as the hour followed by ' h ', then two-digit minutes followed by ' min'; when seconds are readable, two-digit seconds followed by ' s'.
8 h 03 min
